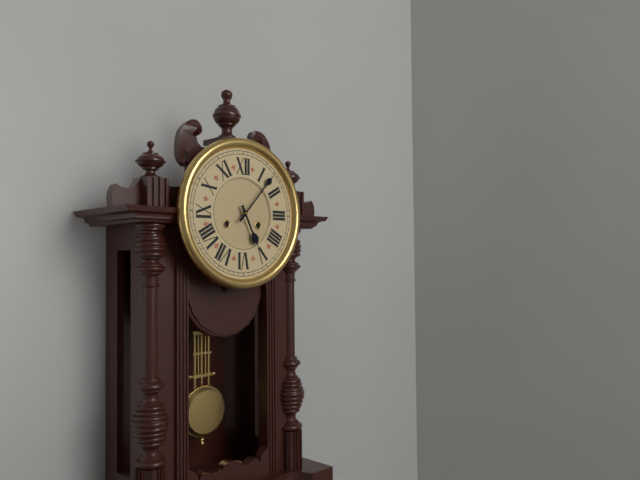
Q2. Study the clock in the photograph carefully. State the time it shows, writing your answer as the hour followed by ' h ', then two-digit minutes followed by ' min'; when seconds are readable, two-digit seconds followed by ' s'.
5 h 07 min
